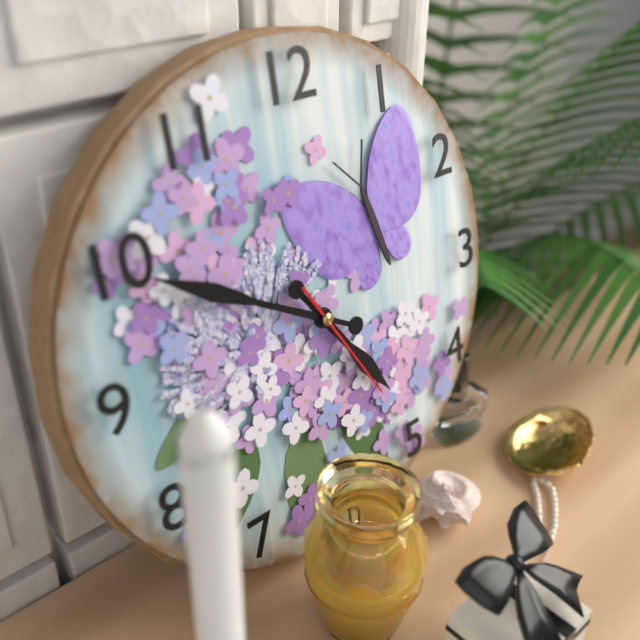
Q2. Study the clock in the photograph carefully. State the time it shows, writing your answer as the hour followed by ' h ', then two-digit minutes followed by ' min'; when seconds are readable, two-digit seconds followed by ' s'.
4 h 50 min 25 s
